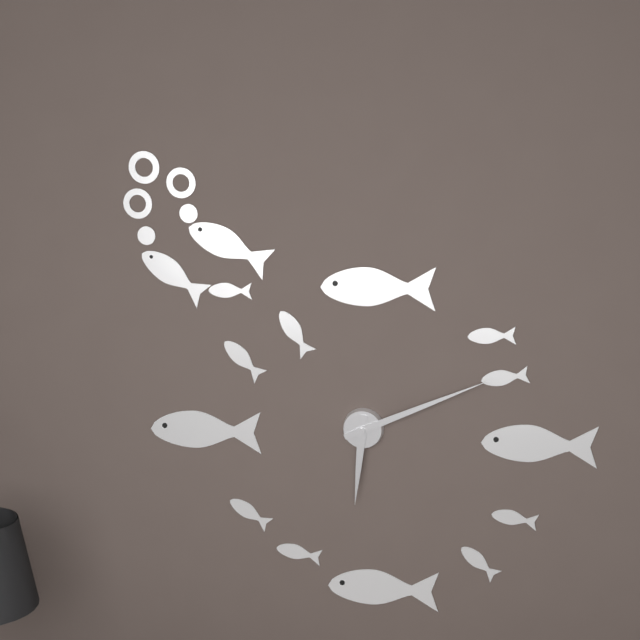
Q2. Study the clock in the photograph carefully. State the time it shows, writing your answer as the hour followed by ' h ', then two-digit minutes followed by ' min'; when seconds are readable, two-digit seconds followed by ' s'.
6 h 11 min
